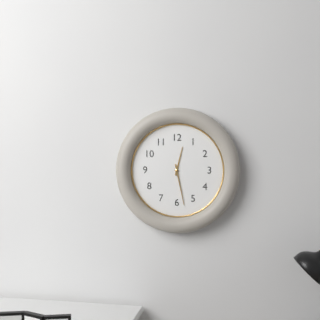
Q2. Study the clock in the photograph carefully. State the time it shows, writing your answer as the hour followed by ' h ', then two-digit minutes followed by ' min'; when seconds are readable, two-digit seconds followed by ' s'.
12 h 28 min
